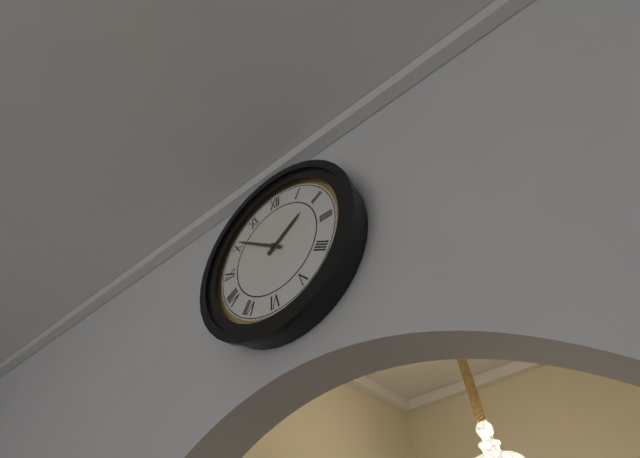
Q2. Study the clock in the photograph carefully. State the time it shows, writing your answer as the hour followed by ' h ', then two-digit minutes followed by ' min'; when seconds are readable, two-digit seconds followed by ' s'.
1 h 51 min
